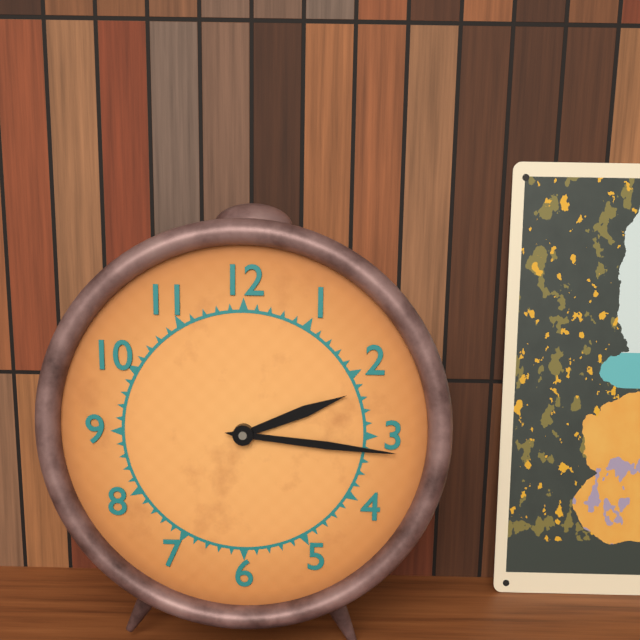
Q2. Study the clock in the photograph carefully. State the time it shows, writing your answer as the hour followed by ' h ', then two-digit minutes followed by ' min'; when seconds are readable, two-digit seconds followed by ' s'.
2 h 16 min
